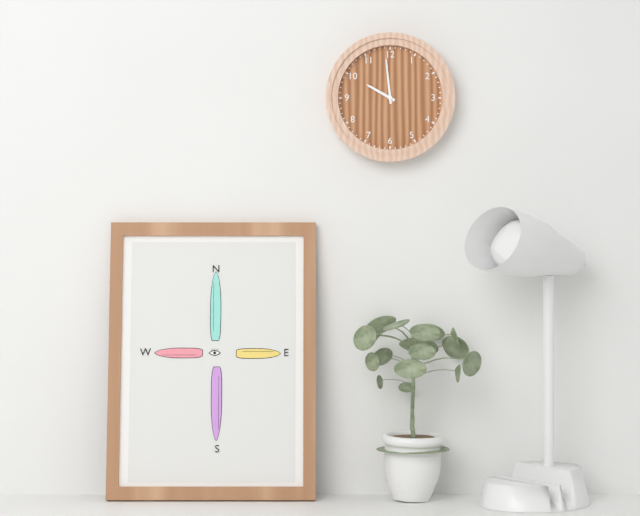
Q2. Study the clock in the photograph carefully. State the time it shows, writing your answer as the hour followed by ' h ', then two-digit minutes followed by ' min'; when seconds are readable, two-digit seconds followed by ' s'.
9 h 59 min
